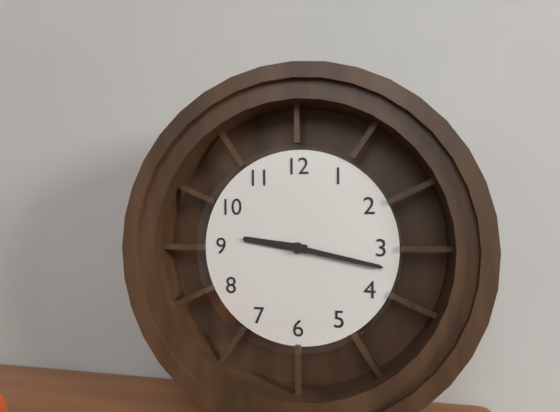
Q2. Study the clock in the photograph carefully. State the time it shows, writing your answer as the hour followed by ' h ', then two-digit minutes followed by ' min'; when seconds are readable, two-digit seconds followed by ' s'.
9 h 17 min
